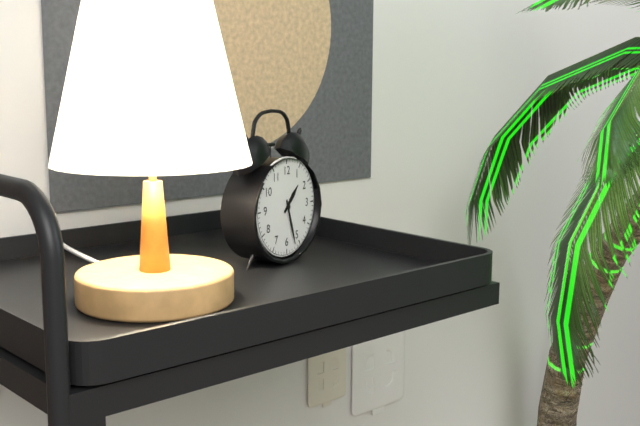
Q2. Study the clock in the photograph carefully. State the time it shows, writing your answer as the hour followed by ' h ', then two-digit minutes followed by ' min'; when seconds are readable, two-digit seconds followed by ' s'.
1 h 27 min
